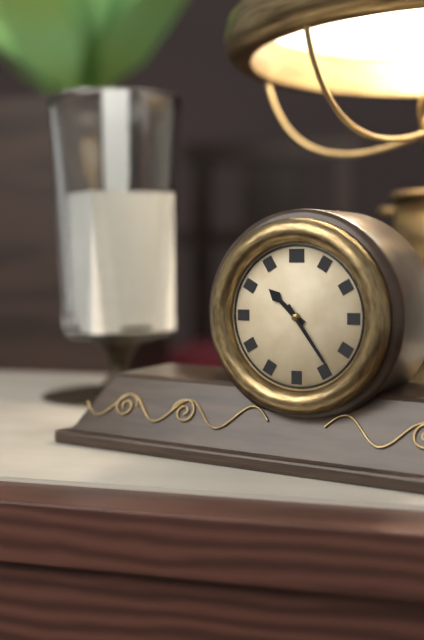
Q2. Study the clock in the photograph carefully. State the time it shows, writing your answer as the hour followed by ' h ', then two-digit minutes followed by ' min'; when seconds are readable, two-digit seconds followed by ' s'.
10 h 24 min
